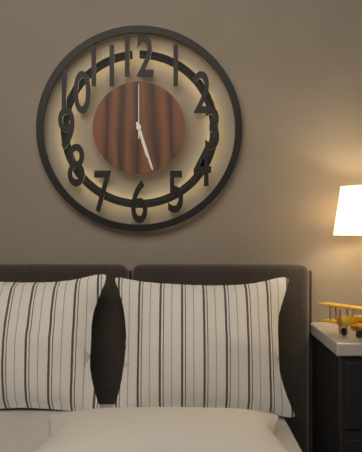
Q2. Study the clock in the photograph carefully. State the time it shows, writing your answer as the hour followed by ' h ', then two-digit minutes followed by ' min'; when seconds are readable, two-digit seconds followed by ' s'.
5 h 27 min 00 s
